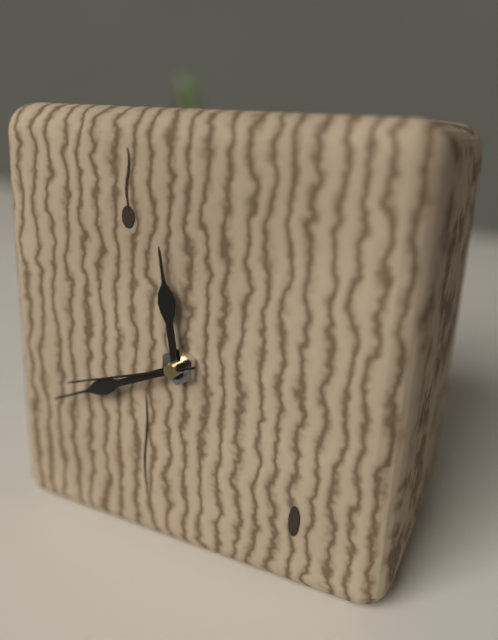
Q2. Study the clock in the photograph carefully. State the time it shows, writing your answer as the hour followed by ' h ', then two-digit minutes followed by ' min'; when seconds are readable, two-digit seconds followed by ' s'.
11 h 41 min 42 s
